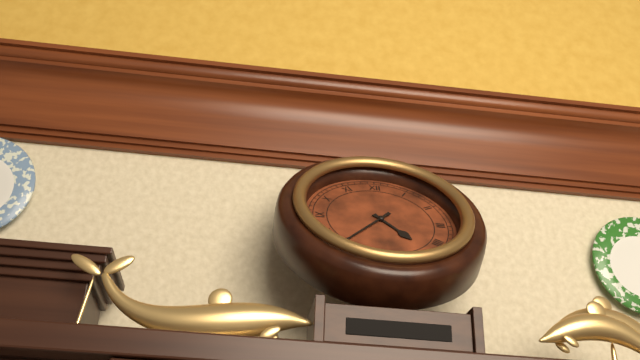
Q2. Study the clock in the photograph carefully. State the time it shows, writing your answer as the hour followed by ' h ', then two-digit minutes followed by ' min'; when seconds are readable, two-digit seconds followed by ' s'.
4 h 37 min
